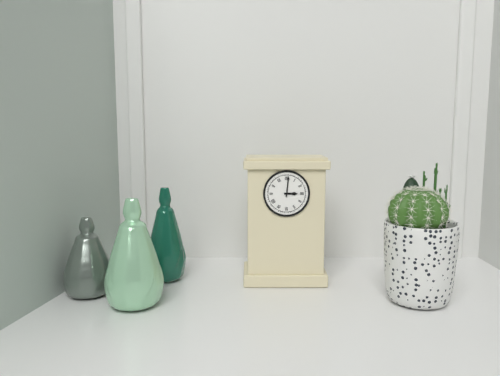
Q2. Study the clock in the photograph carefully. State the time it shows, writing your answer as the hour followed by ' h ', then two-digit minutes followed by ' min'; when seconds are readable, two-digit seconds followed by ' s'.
3 h 01 min
